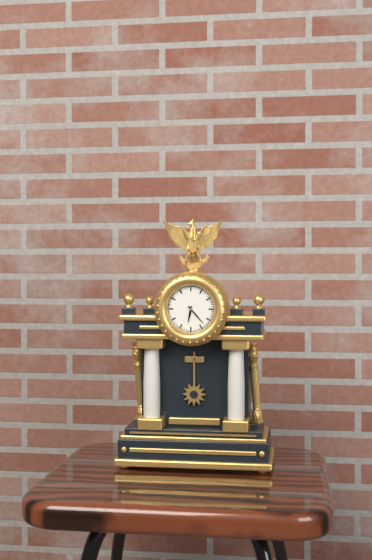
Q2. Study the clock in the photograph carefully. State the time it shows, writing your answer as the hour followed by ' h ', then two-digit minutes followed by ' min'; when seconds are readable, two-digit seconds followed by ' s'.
6 h 23 min
